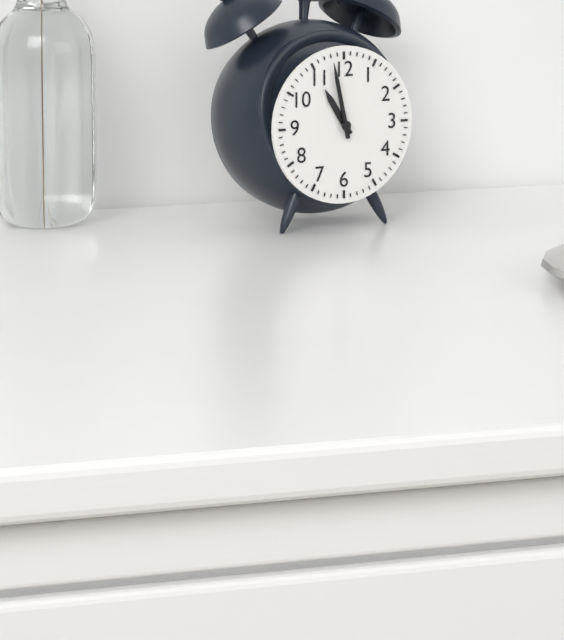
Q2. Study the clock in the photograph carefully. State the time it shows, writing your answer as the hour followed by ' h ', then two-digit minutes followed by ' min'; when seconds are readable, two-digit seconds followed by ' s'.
10 h 58 min
